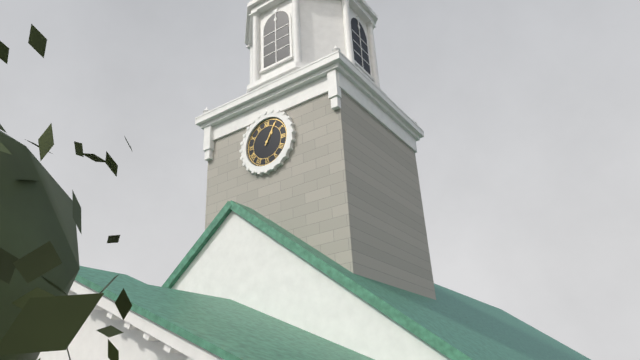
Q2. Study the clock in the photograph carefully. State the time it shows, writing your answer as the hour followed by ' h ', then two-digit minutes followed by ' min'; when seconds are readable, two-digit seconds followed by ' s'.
1 h 05 min
